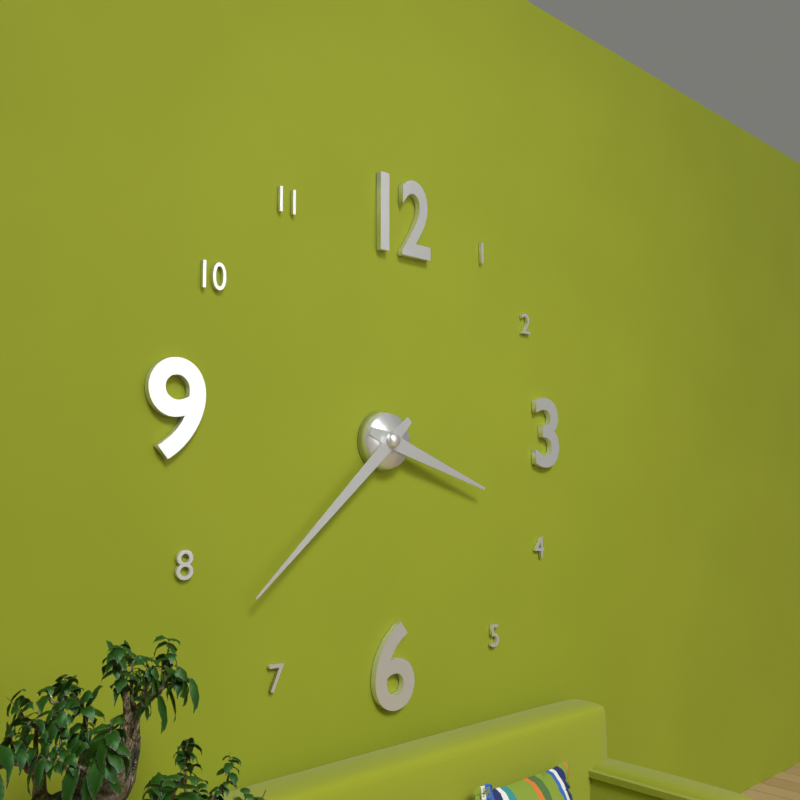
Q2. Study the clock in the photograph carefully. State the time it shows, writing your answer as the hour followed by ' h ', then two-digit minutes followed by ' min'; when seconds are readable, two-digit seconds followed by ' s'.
3 h 38 min
